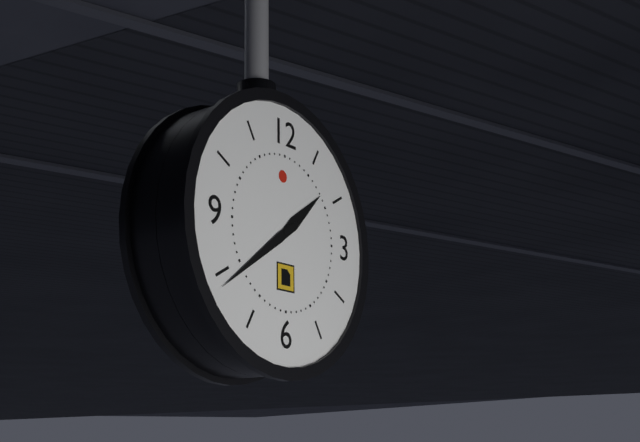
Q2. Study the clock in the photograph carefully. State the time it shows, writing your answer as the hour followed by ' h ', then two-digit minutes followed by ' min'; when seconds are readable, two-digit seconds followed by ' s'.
1 h 39 min
